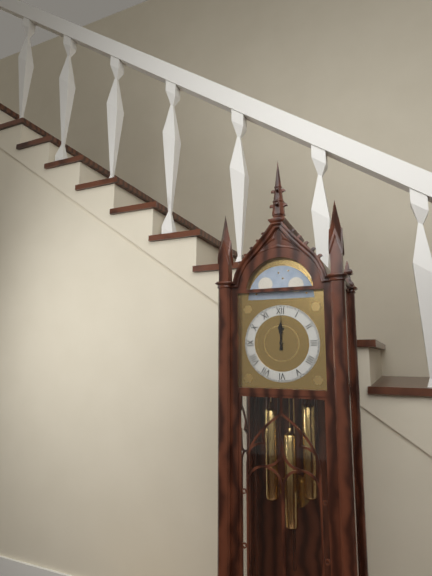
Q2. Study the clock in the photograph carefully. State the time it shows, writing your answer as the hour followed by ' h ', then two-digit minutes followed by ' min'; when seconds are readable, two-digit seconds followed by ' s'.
12 h 00 min
